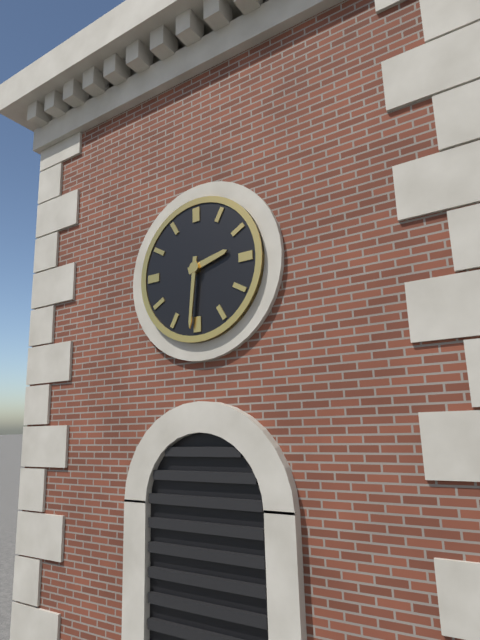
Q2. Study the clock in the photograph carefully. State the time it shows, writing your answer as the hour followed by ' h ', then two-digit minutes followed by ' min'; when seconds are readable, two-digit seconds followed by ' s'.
2 h 31 min
